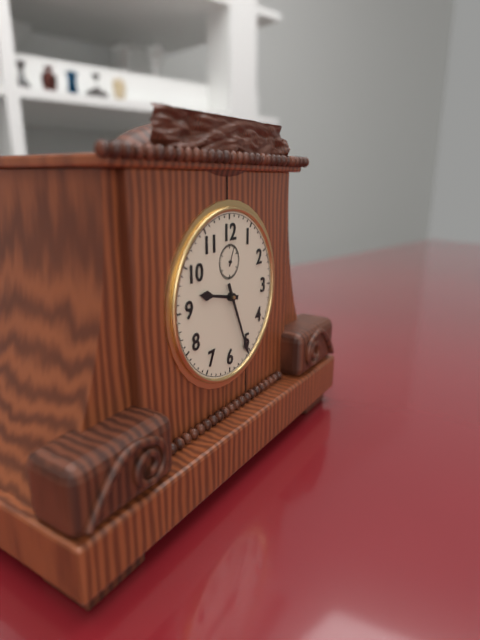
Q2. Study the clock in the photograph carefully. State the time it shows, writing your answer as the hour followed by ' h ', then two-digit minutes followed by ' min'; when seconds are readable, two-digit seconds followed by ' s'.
9 h 26 min
